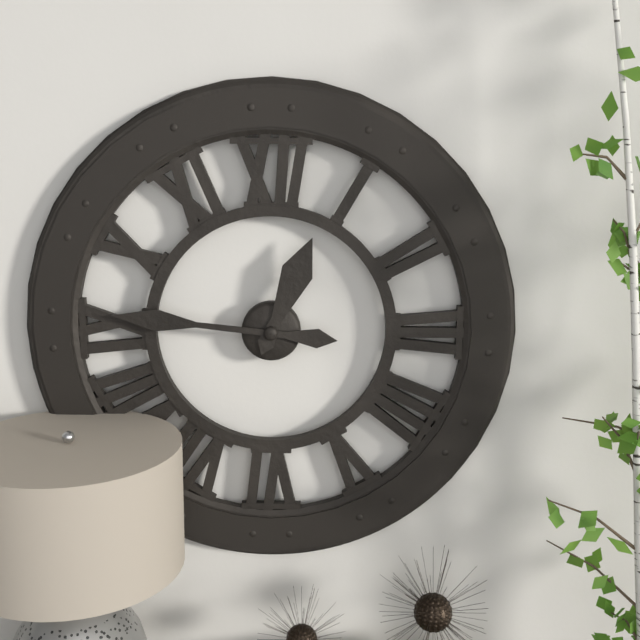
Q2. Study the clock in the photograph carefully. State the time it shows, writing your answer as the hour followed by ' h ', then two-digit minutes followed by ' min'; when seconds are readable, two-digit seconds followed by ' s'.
12 h 46 min
